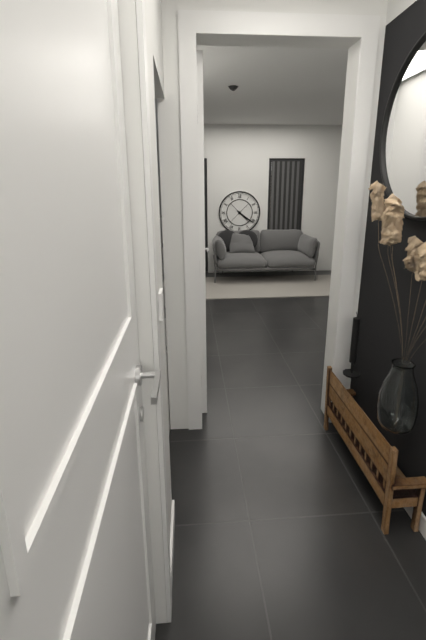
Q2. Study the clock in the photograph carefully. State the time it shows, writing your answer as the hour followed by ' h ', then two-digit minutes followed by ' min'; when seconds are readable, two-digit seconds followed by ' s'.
4 h 21 min
